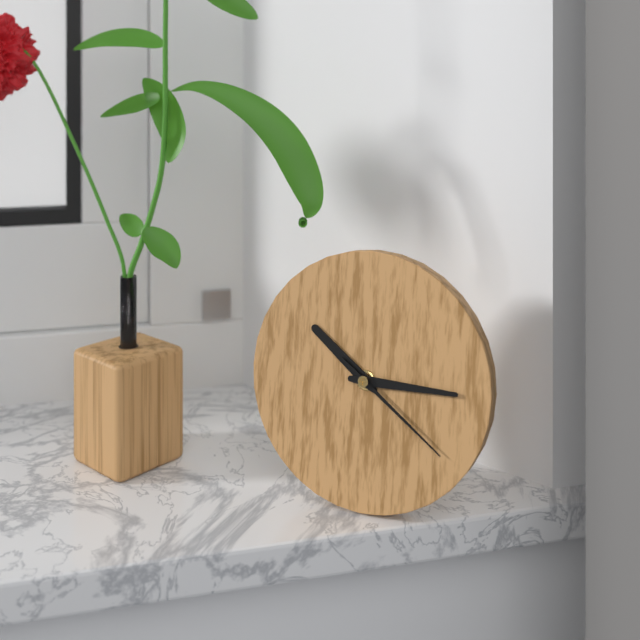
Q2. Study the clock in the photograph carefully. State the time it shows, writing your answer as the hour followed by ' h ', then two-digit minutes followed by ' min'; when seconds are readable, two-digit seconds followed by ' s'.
10 h 15 min 21 s
